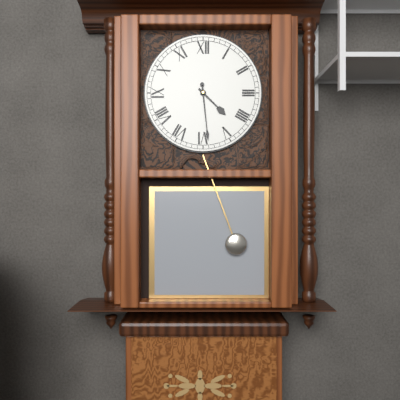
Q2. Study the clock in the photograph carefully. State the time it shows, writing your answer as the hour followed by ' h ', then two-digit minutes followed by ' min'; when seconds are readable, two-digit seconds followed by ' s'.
4 h 29 min
